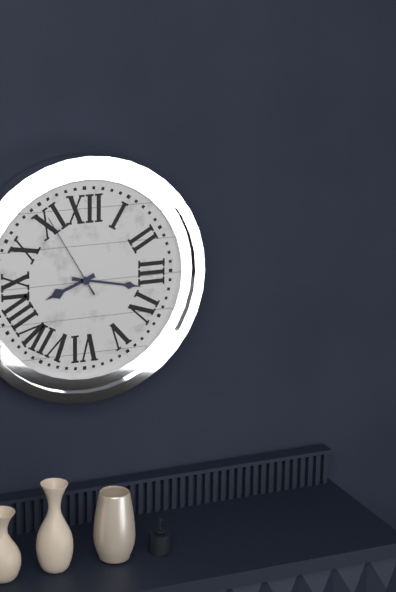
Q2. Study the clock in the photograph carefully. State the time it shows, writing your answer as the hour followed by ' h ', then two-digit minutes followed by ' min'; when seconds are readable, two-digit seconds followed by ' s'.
8 h 17 min 55 s
